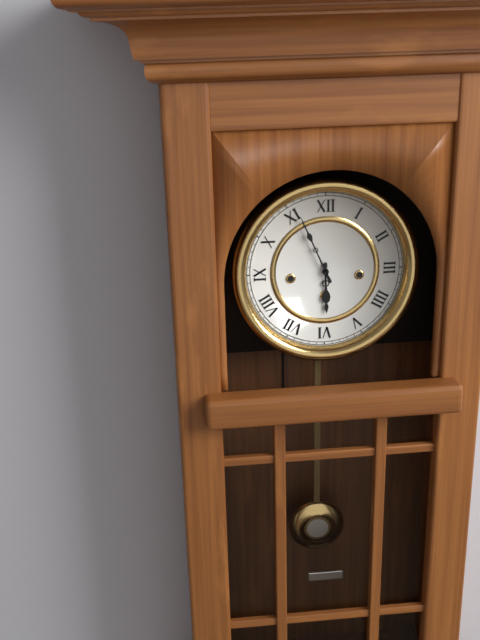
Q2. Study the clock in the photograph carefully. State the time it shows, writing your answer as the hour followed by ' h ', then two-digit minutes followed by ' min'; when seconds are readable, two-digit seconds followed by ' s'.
5 h 56 min
